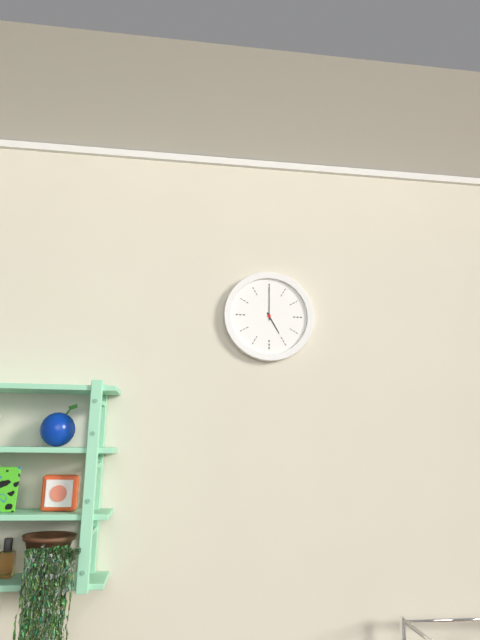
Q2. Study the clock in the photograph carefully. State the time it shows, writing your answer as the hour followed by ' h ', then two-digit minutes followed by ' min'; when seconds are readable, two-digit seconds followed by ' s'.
5 h 00 min
